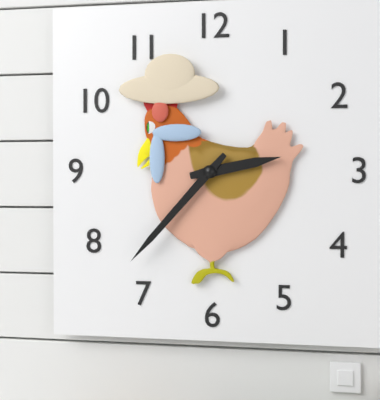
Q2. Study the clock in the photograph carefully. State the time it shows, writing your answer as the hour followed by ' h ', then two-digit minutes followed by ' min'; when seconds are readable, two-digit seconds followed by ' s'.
2 h 37 min
